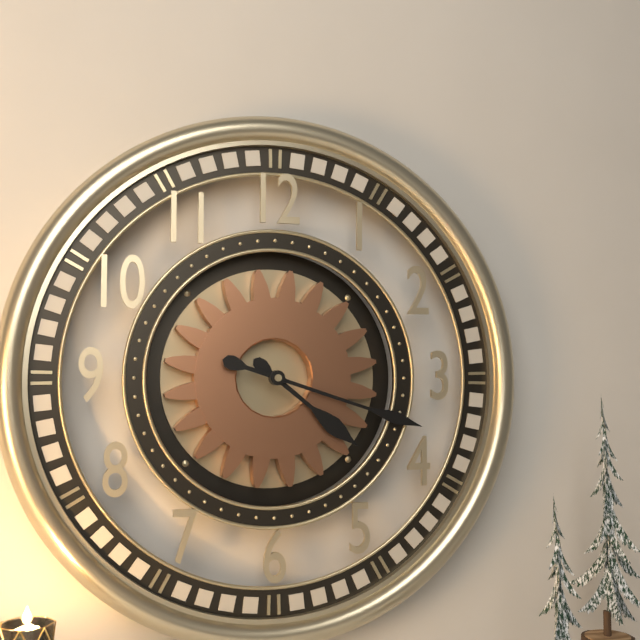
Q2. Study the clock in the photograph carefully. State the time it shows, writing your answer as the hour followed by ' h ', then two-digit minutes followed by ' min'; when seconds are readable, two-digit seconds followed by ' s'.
4 h 18 min
